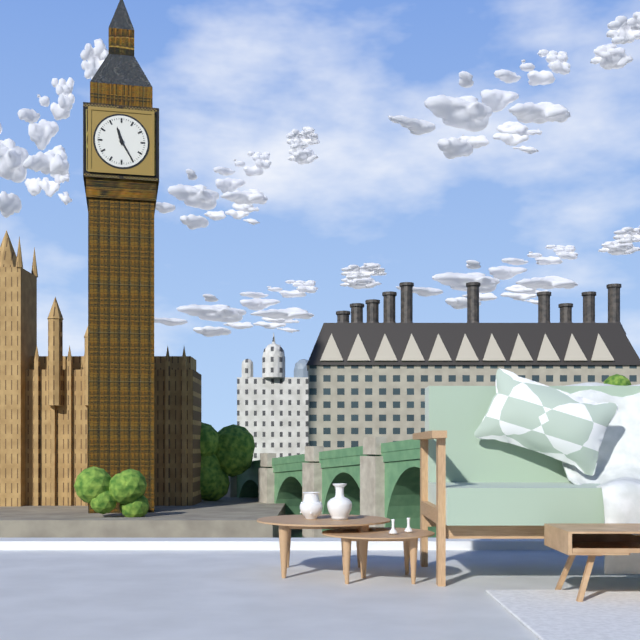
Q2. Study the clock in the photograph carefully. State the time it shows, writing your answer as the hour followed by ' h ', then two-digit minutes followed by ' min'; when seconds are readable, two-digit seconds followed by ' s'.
11 h 25 min
